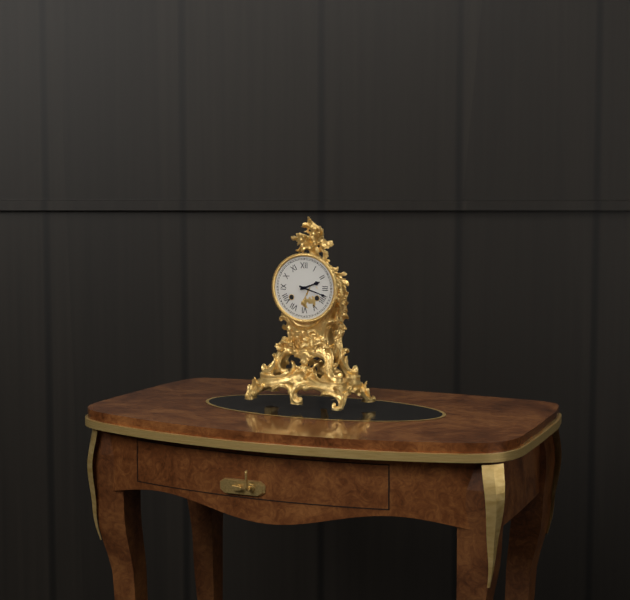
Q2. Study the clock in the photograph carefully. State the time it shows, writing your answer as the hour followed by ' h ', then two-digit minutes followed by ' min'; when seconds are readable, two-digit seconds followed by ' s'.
2 h 18 min
